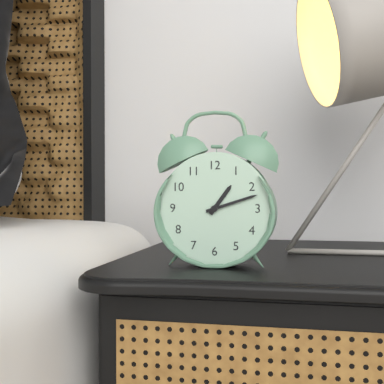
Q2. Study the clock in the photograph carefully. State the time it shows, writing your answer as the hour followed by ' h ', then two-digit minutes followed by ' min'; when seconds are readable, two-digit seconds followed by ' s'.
1 h 12 min
